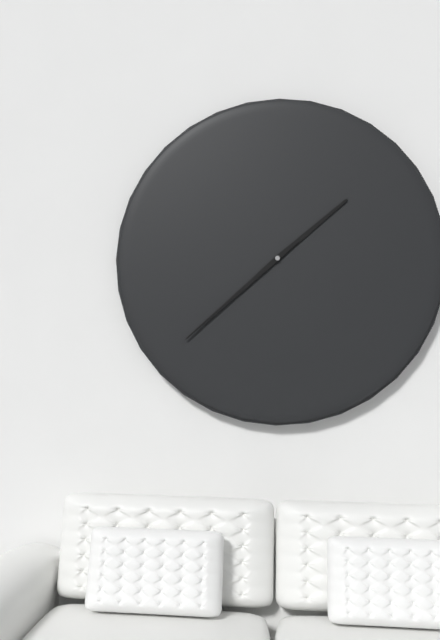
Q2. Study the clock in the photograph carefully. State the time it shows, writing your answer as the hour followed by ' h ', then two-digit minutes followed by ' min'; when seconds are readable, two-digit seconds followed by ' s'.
1 h 38 min
